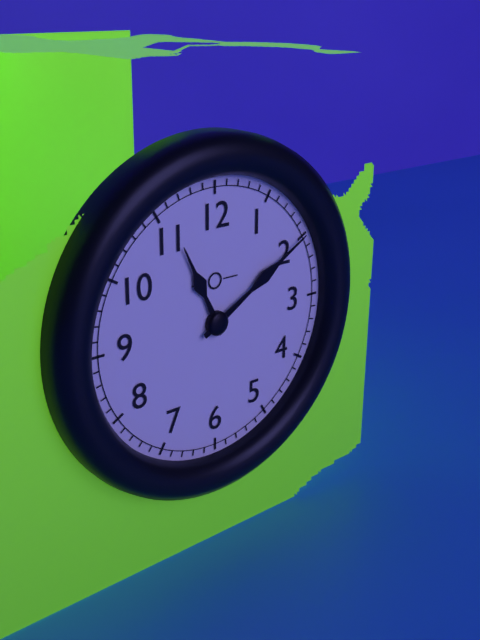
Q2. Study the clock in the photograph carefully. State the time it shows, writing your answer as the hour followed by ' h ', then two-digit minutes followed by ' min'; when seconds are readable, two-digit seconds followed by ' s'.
11 h 10 min
